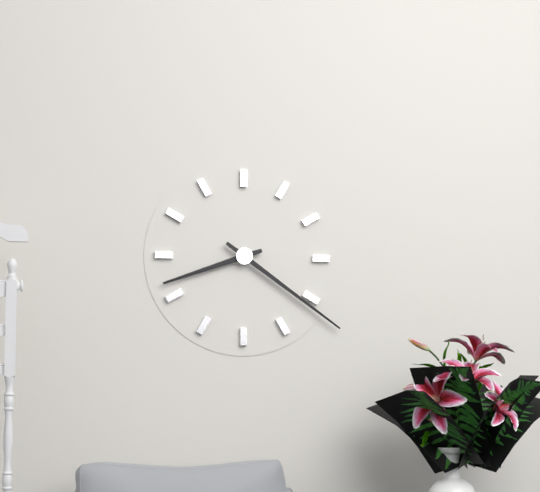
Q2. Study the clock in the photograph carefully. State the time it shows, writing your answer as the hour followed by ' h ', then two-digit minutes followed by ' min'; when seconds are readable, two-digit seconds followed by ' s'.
8 h 21 min
